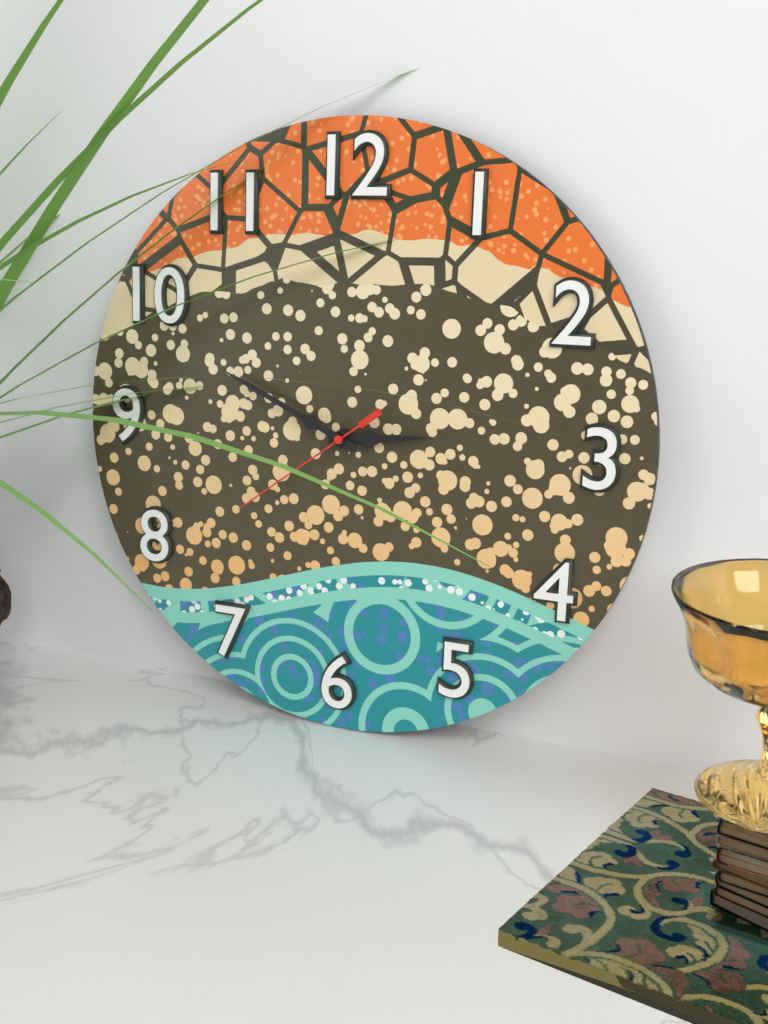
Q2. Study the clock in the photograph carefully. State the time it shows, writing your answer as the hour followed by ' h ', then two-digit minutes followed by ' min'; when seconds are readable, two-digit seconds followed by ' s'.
2 h 49 min 39 s
